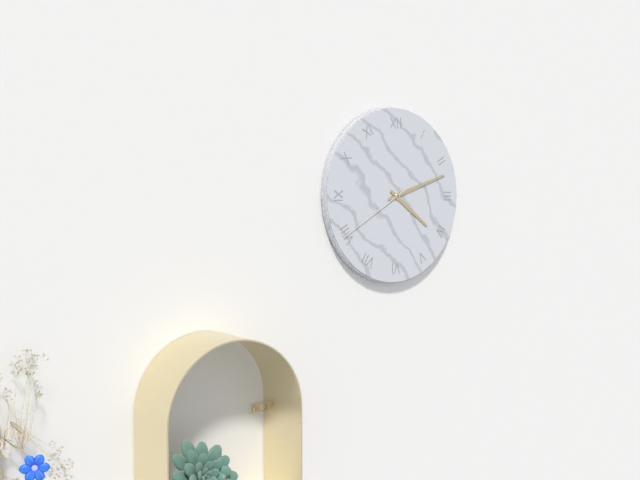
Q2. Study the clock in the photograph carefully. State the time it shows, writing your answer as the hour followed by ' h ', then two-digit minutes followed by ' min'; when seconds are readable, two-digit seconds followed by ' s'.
4 h 12 min 40 s
